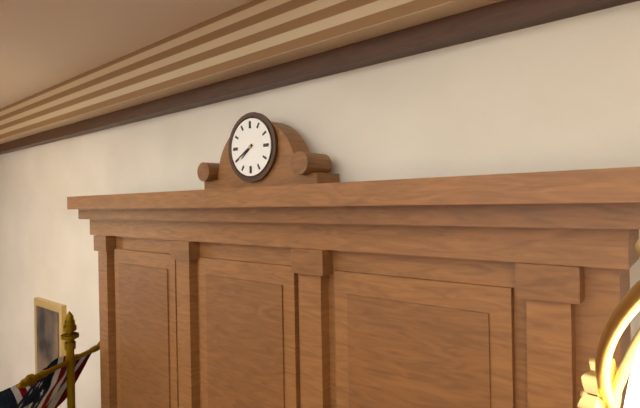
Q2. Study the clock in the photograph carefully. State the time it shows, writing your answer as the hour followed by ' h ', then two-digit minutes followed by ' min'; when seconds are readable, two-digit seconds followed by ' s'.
7 h 40 min
